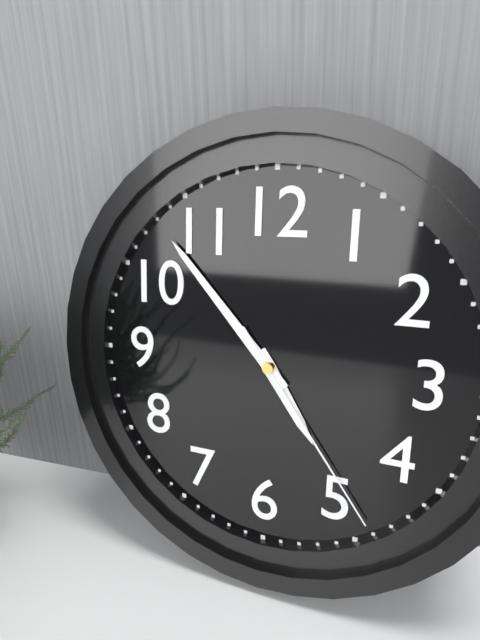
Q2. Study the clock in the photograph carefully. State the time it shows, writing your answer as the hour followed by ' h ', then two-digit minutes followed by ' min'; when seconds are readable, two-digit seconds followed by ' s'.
4 h 53 min 24 s
